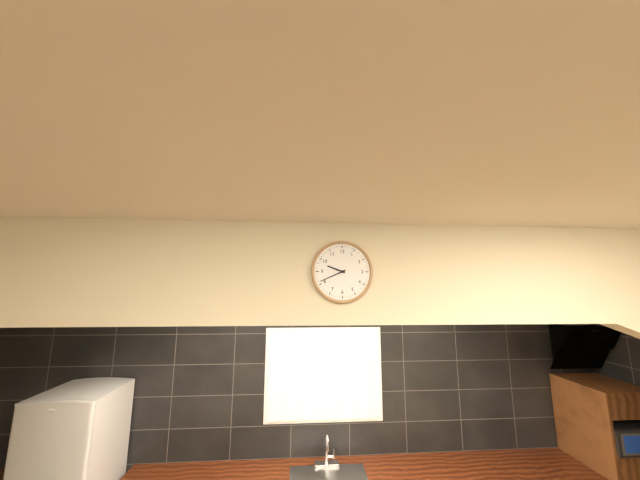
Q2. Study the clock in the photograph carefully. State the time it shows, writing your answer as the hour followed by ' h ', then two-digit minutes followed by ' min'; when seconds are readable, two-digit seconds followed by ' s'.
9 h 41 min
